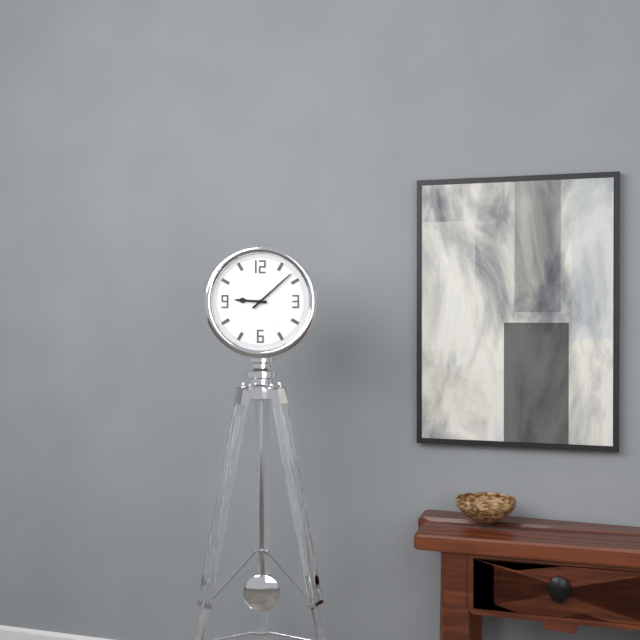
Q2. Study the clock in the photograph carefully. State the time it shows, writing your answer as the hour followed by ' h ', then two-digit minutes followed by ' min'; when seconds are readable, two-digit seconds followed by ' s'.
9 h 08 min
